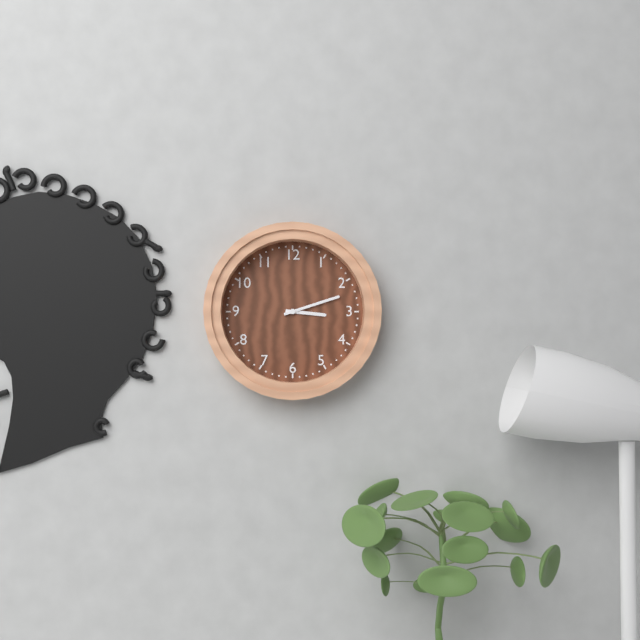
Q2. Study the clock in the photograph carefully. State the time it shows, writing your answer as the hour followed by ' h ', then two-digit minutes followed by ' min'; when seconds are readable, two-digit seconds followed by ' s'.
3 h 12 min
